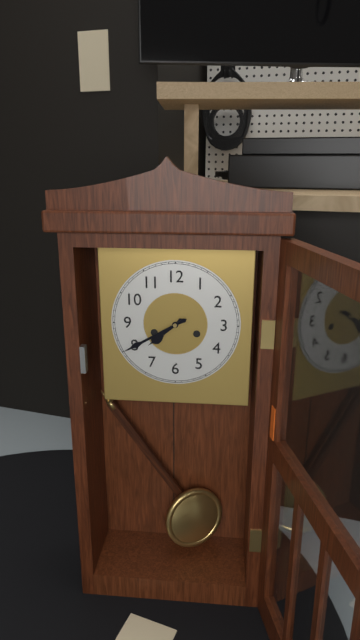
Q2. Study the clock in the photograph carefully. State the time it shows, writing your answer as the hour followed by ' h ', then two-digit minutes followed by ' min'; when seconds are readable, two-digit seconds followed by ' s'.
7 h 40 min
